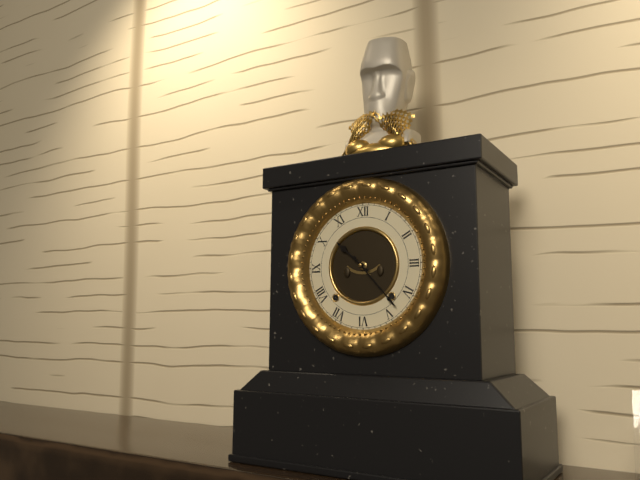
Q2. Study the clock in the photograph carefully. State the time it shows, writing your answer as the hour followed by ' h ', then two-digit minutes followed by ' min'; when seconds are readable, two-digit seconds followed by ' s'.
10 h 23 min
